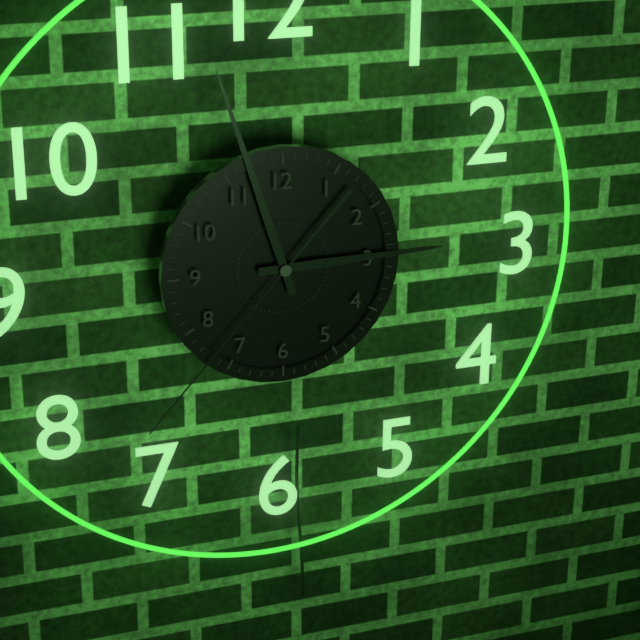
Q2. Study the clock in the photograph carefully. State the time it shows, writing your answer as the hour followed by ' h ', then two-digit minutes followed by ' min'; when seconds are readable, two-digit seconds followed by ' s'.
2 h 57 min 37 s
